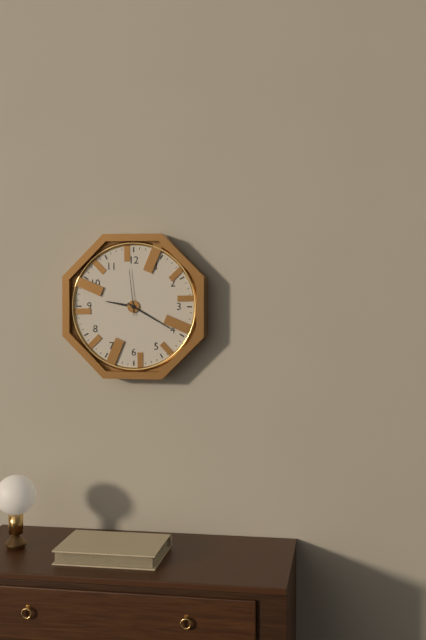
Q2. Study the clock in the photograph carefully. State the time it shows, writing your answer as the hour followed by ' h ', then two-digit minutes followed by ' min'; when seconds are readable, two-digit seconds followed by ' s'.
9 h 20 min
